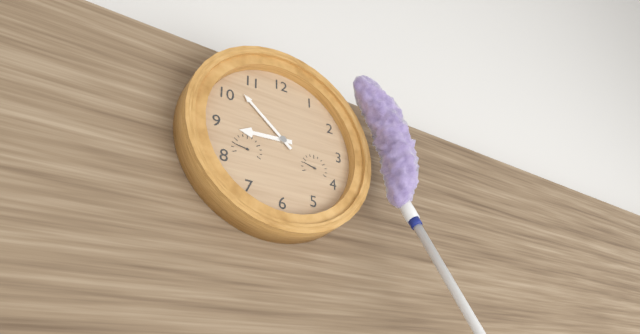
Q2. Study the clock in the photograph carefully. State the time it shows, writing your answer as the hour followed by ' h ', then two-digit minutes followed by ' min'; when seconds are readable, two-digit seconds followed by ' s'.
8 h 52 min
